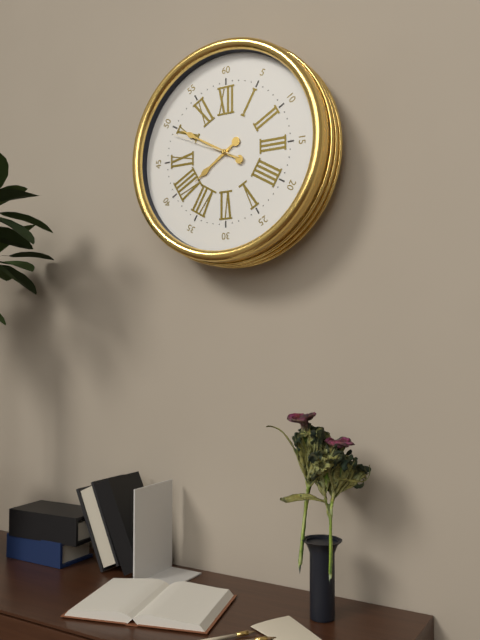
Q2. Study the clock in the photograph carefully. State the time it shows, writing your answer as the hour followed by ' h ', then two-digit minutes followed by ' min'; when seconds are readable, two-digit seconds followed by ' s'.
7 h 50 min 49 s
